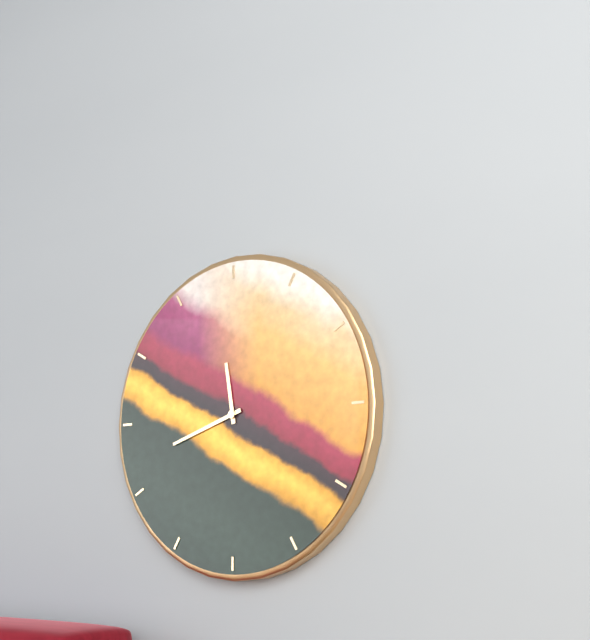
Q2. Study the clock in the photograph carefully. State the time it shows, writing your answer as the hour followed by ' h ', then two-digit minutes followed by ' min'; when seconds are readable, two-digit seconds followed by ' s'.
11 h 42 min
